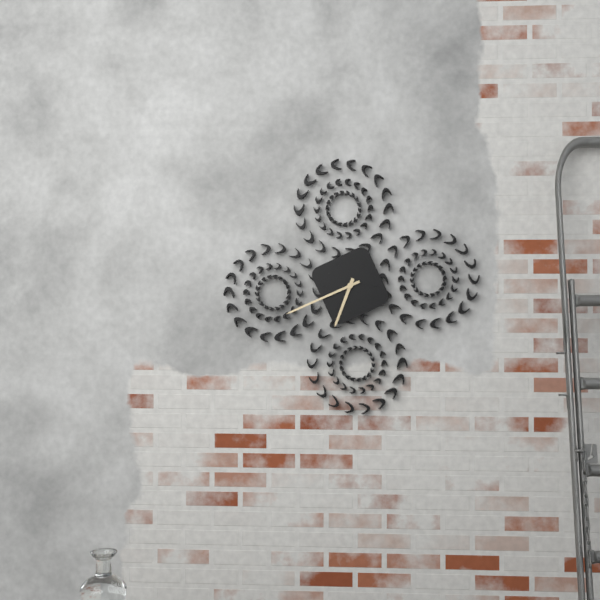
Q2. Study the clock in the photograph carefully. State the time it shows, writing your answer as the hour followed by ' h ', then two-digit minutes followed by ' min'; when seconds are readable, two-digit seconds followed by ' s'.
6 h 41 min
